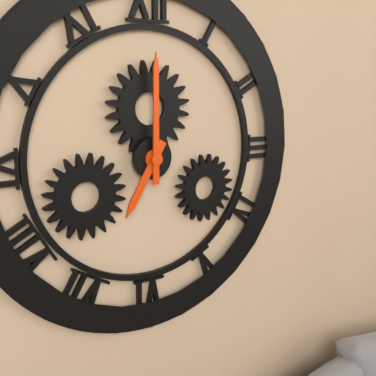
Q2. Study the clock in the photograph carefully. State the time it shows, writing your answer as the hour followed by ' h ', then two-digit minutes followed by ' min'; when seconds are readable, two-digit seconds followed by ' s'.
7 h 00 min
